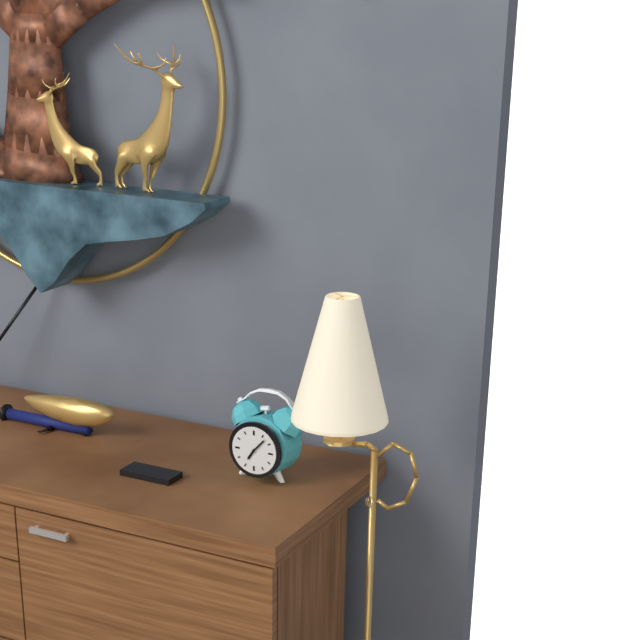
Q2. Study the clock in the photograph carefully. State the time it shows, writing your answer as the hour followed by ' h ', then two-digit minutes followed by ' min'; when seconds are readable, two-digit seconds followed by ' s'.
7 h 07 min
